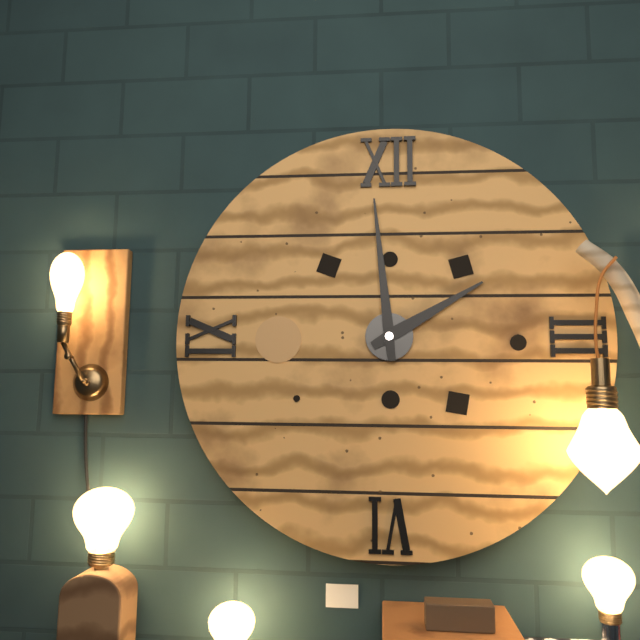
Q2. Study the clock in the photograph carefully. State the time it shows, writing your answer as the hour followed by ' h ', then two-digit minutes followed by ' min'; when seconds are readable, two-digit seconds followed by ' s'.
1 h 59 min
